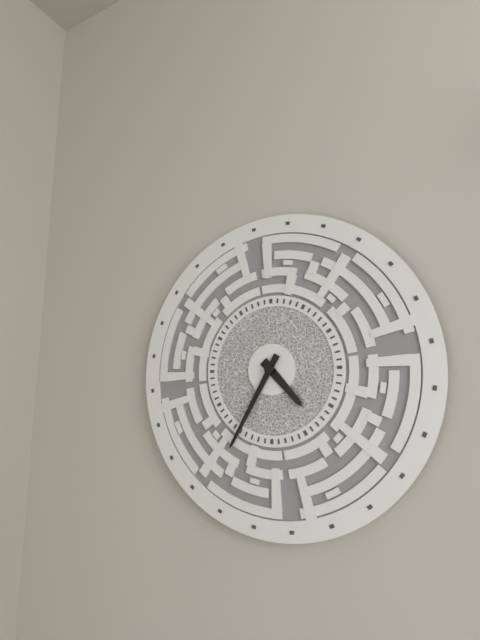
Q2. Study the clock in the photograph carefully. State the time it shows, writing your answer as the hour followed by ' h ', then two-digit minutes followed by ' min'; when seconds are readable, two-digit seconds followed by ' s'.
4 h 35 min
